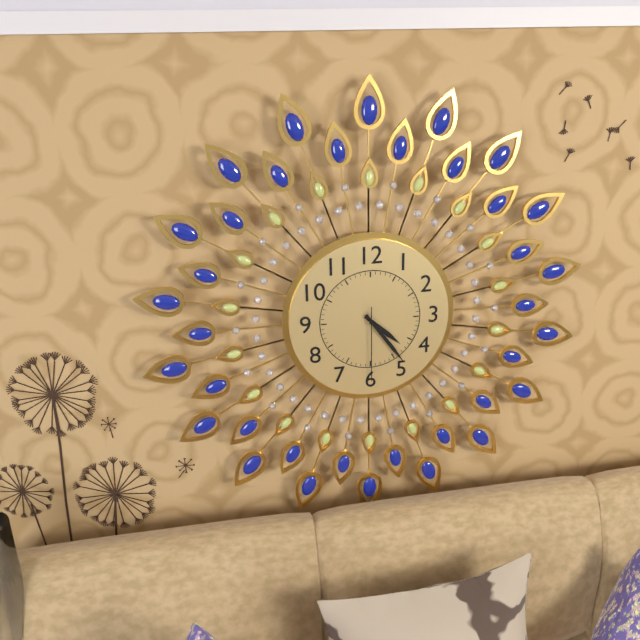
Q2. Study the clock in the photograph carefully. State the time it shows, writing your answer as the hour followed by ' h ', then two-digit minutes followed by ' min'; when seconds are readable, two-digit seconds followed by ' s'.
4 h 24 min 30 s
